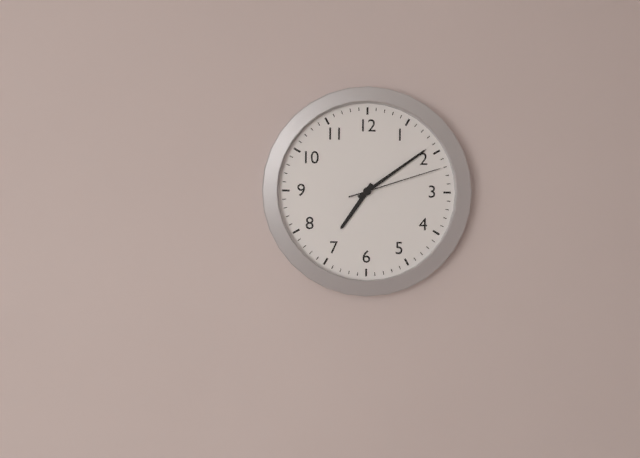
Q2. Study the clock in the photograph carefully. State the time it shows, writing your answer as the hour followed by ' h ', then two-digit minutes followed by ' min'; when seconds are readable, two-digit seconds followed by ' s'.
7 h 09 min 12 s
